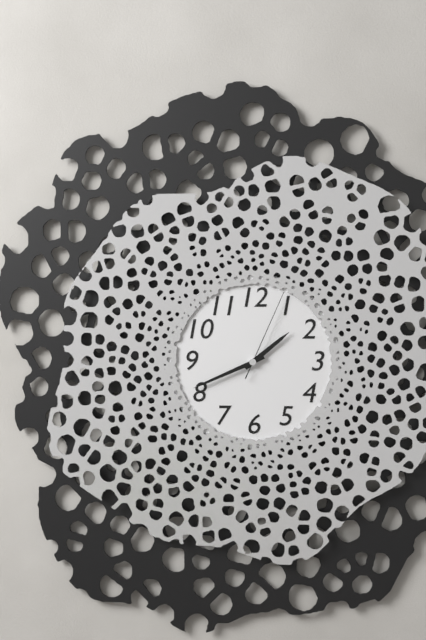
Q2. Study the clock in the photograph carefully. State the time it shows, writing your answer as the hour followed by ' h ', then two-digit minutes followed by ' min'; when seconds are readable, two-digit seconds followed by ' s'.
1 h 41 min 04 s
